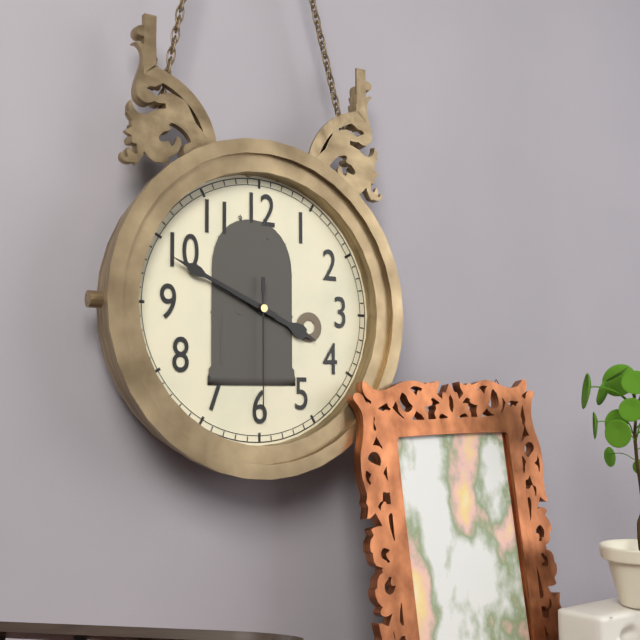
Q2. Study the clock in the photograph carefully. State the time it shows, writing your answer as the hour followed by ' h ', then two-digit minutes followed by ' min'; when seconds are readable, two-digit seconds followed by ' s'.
3 h 49 min 30 s
